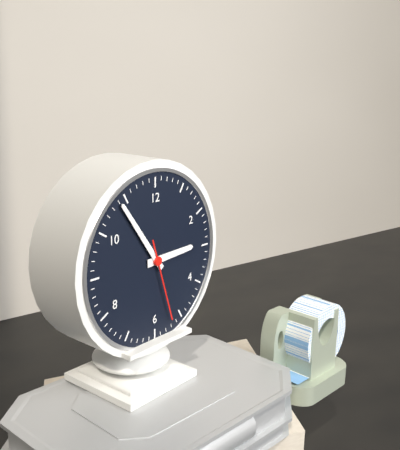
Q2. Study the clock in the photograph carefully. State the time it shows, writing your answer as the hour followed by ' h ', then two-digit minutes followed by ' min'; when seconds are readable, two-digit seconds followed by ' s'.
2 h 54 min 27 s
